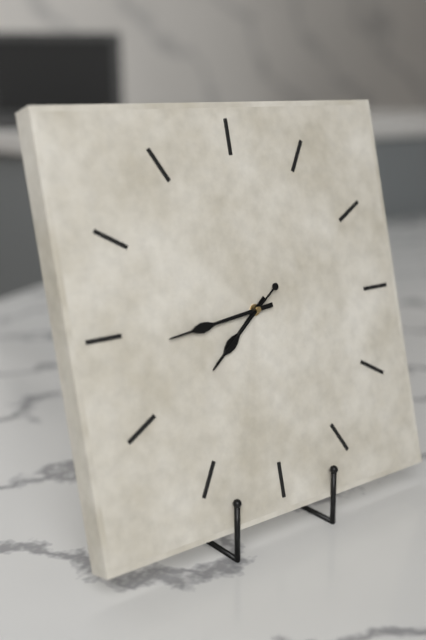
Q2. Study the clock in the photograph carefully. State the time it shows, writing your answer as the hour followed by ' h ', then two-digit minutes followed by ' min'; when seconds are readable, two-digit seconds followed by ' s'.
7 h 44 min 39 s
